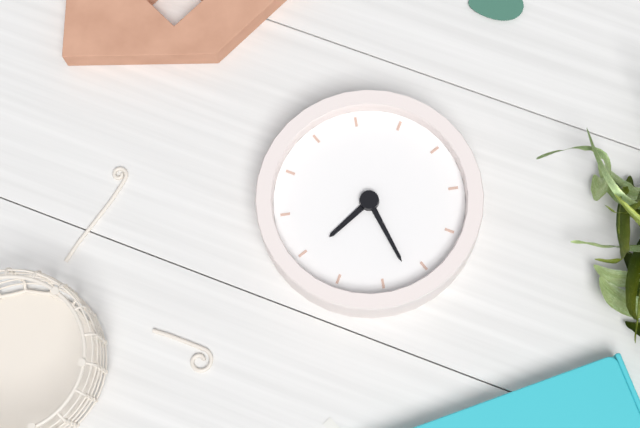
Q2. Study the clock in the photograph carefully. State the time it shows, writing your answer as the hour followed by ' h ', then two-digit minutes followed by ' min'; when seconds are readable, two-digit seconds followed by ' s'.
12 h 52 min
